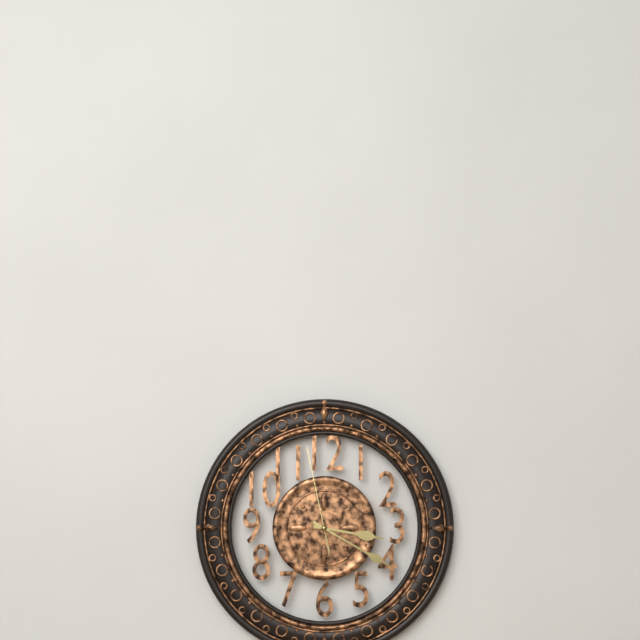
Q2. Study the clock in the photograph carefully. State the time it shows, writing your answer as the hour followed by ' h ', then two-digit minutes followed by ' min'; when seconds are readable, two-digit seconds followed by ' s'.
3 h 20 min 58 s
